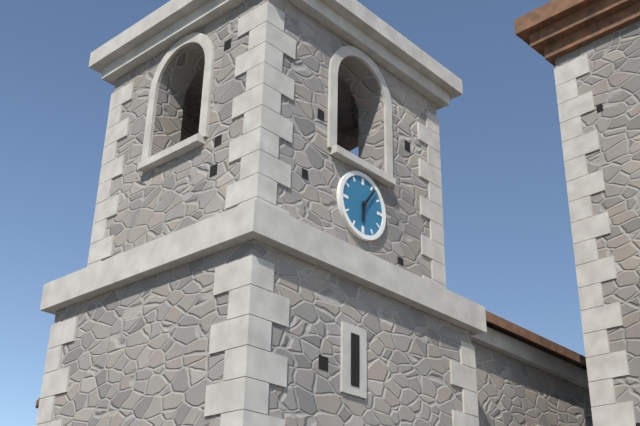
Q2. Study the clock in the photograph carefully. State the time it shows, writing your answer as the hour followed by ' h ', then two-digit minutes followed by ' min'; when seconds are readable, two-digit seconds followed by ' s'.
6 h 06 min
